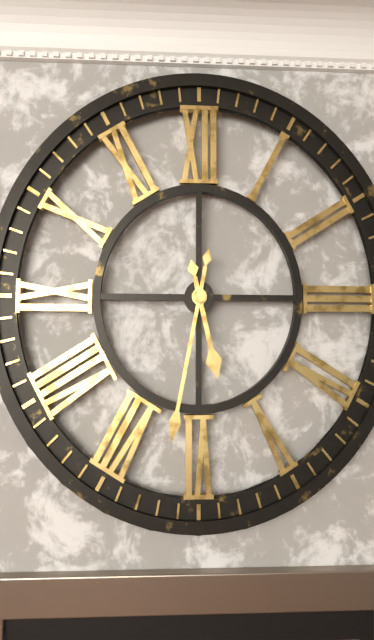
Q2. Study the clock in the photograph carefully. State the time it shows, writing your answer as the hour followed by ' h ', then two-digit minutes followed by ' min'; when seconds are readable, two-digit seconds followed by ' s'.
5 h 32 min
